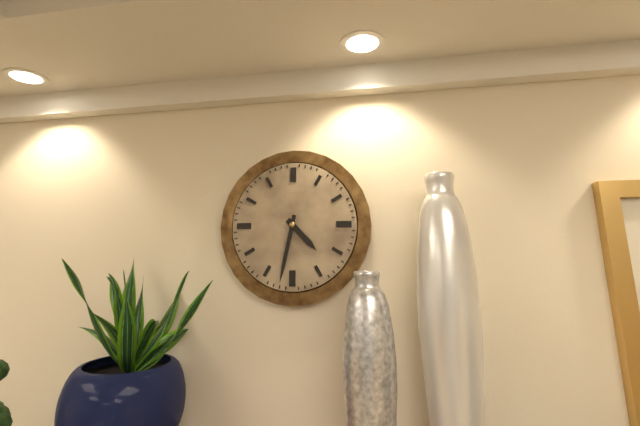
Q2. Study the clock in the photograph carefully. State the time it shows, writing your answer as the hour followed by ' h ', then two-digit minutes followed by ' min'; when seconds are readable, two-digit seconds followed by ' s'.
4 h 32 min
